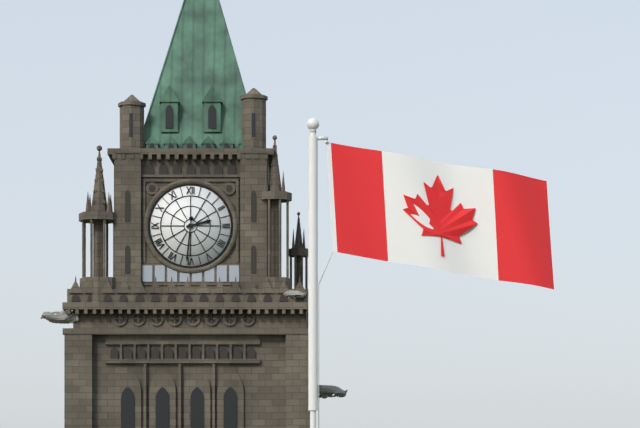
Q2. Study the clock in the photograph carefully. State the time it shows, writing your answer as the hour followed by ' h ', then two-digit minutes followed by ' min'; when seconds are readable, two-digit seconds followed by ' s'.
2 h 31 min
